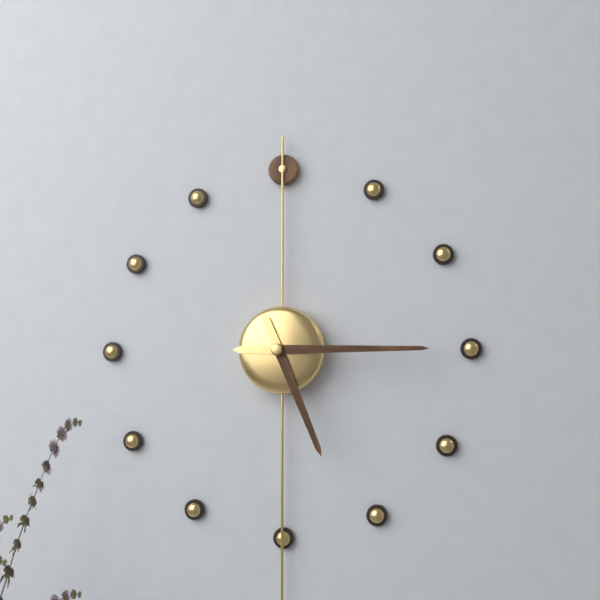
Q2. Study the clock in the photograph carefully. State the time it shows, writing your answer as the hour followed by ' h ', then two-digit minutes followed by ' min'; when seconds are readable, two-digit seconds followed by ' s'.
5 h 15 min
